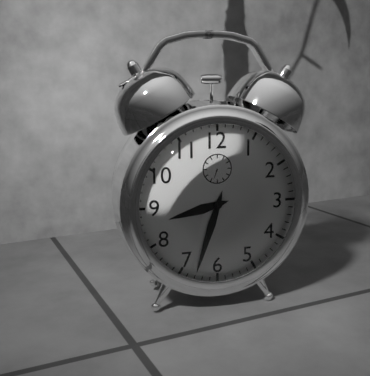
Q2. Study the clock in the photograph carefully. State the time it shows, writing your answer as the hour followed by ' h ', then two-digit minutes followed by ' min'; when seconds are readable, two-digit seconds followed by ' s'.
8 h 33 min
